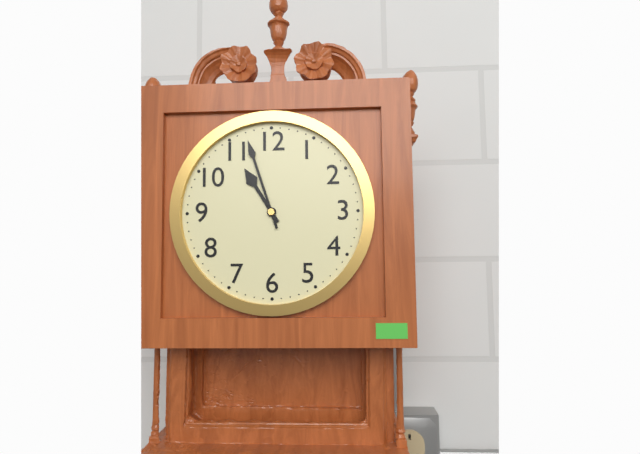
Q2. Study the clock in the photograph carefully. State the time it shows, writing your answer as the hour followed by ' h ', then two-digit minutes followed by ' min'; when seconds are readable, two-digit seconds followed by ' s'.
10 h 57 min
